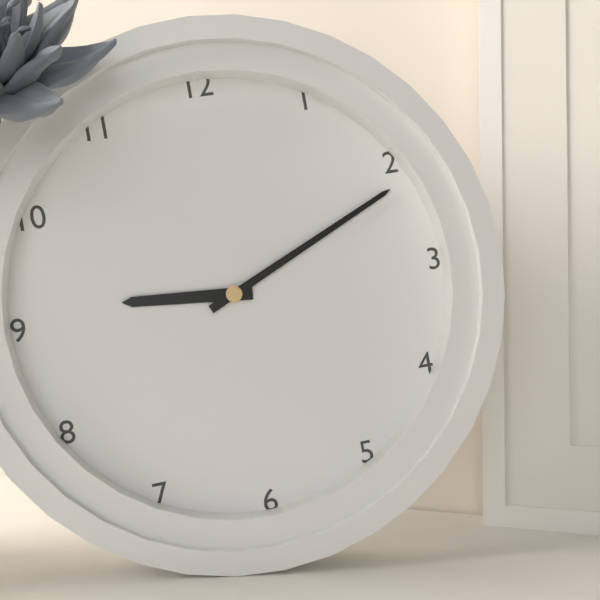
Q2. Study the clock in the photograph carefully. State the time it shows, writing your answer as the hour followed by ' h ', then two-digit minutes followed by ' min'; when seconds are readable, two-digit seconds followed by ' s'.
9 h 11 min
